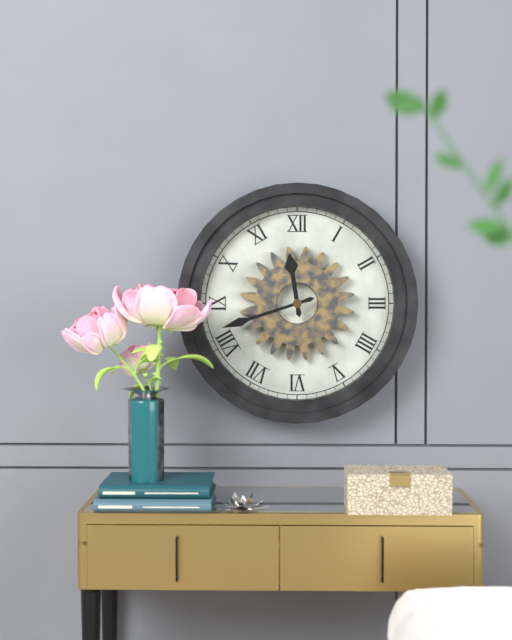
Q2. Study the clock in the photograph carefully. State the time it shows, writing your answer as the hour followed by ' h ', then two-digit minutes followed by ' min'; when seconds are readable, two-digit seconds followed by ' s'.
11 h 42 min
